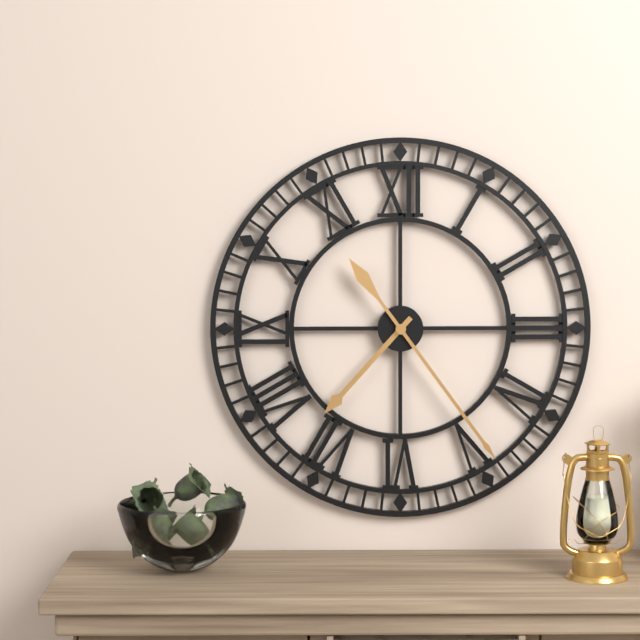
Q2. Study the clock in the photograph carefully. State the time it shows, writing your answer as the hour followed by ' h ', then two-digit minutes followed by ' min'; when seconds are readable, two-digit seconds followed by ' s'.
7 h 24 min
